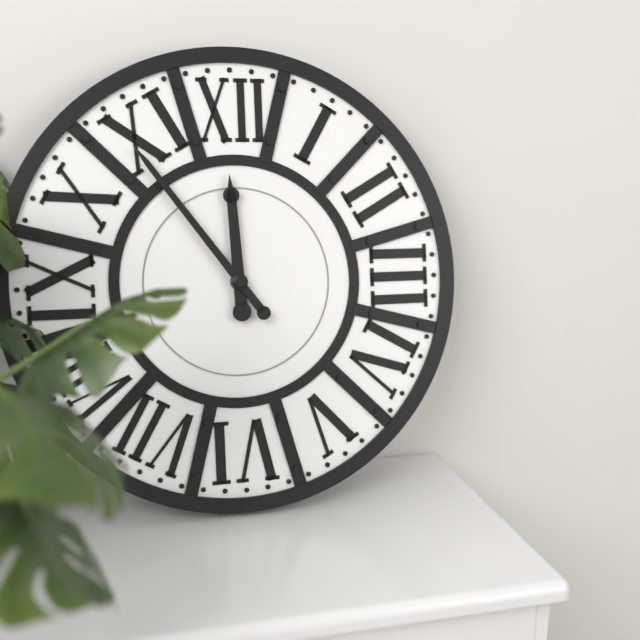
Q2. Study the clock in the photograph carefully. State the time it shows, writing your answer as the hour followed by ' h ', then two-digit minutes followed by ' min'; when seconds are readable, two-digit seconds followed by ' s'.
11 h 54 min
